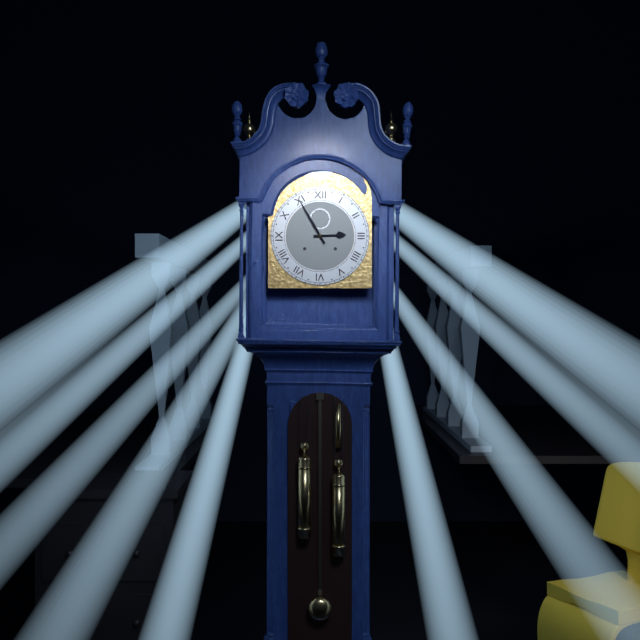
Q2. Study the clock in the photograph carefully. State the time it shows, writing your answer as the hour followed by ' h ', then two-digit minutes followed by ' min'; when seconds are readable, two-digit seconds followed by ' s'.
2 h 55 min
